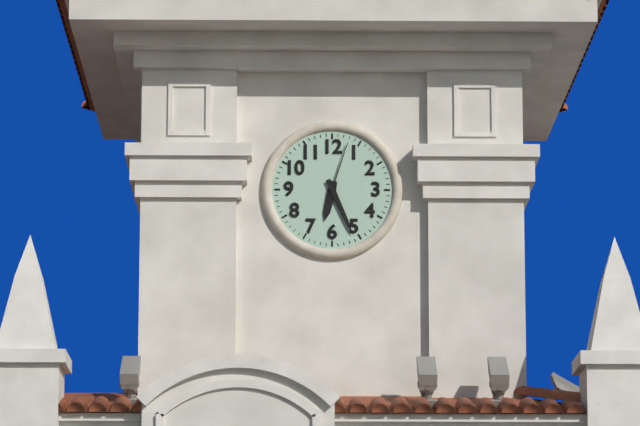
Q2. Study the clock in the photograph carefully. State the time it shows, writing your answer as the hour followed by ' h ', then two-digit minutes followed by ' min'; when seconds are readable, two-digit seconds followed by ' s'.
6 h 26 min 03 s
